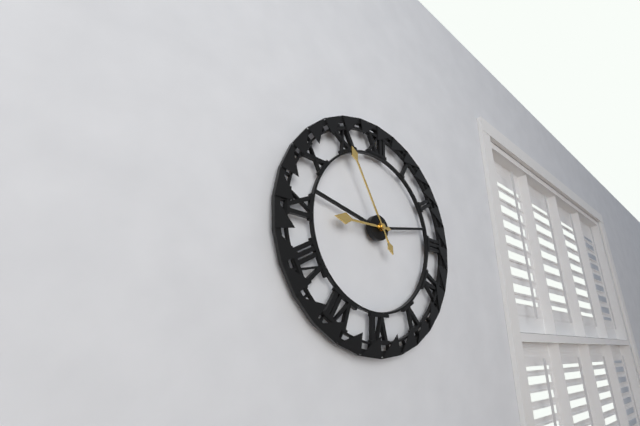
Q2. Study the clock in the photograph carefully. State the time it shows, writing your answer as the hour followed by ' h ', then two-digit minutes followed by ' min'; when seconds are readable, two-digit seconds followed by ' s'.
8 h 55 min
